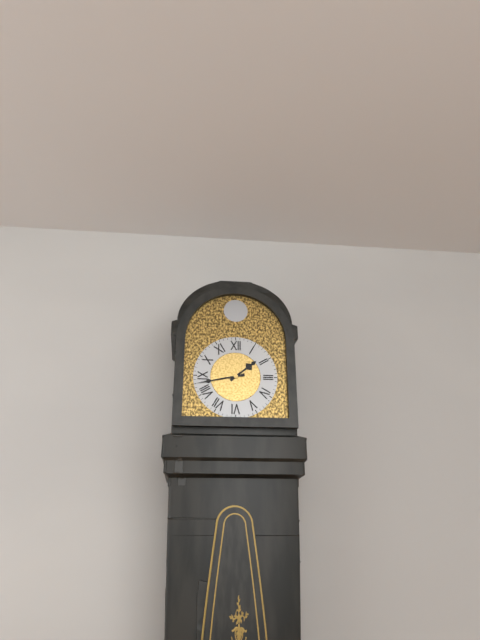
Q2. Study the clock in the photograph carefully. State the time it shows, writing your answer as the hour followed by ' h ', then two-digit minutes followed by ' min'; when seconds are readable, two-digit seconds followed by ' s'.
1 h 43 min
